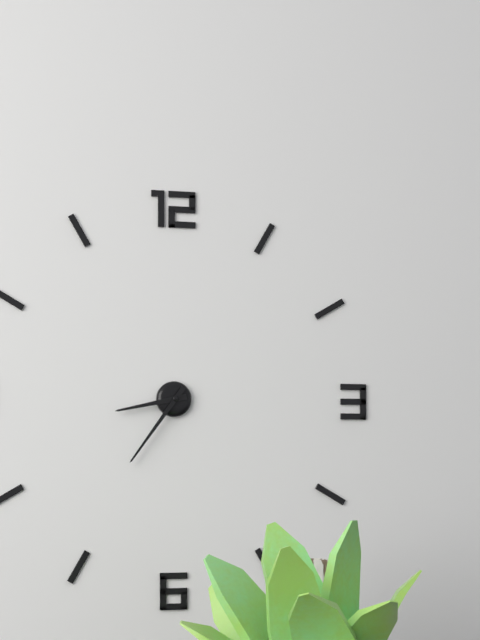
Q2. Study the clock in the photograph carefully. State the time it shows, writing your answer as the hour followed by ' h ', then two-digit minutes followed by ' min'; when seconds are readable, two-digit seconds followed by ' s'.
8 h 36 min
